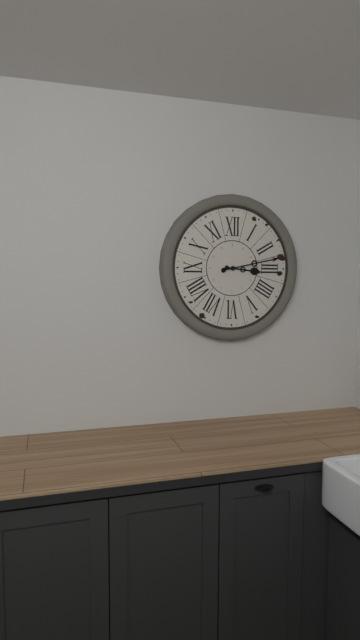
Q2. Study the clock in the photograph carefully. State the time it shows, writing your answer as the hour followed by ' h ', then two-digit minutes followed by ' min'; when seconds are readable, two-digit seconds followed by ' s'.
3 h 13 min
